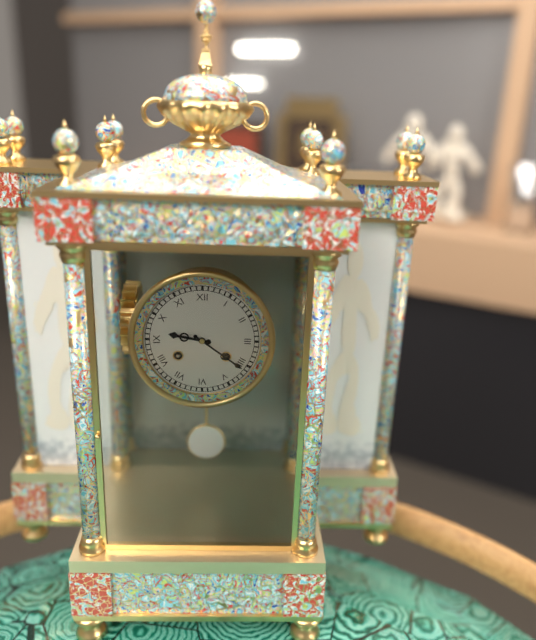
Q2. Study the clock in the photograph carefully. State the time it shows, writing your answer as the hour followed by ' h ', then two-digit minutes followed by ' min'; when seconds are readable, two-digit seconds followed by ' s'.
9 h 21 min
